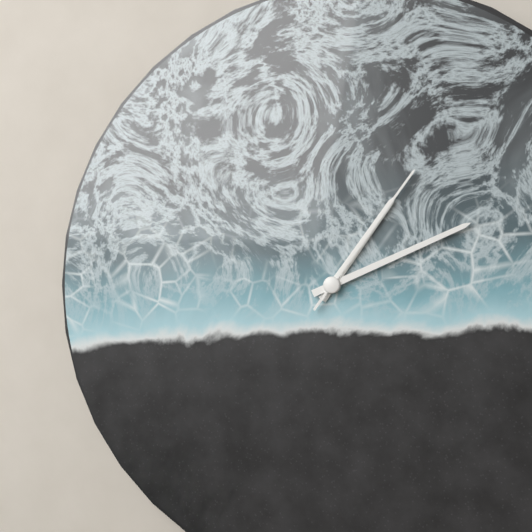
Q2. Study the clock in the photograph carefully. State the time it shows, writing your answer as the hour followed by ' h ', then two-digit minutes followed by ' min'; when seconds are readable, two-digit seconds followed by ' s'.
1 h 11 min 06 s
